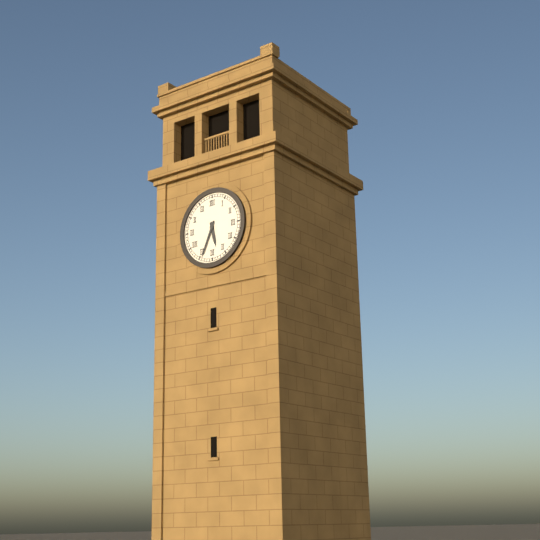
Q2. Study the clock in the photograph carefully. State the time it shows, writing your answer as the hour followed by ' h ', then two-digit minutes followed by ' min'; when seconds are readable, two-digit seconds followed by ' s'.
5 h 34 min
